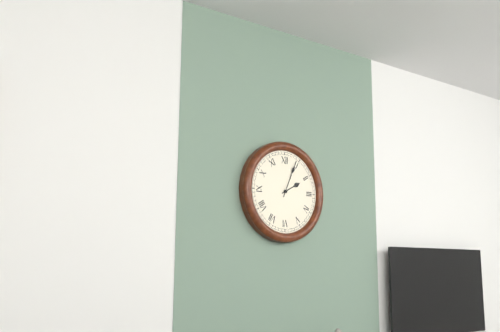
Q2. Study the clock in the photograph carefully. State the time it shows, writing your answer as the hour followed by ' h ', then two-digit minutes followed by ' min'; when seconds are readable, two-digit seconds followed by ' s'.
2 h 04 min
